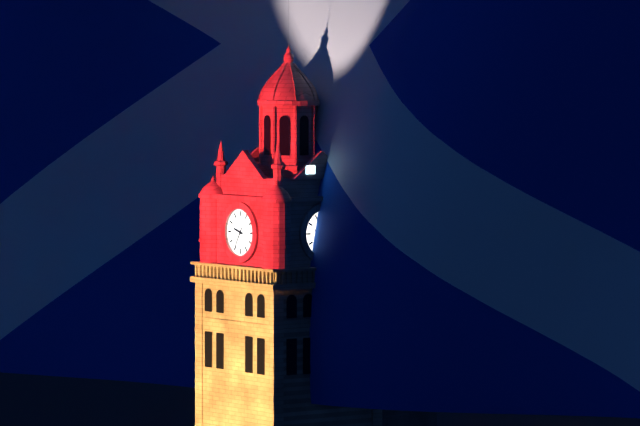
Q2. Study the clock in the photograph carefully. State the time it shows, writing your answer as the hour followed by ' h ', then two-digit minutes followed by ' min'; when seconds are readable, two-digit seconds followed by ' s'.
9 h 35 min
